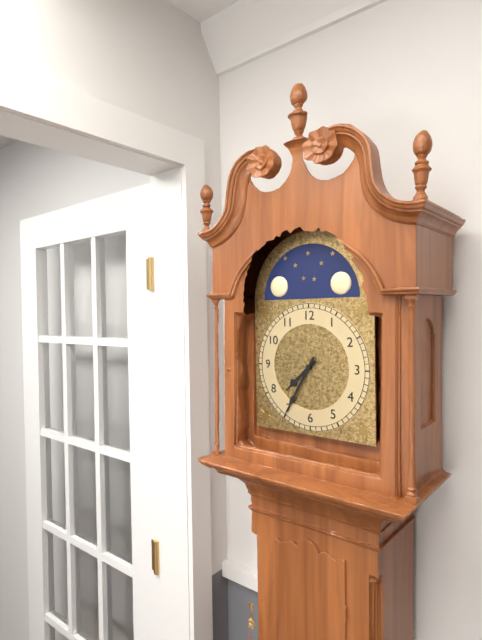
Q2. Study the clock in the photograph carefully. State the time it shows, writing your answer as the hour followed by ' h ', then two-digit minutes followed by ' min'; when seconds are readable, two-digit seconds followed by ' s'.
7 h 35 min
